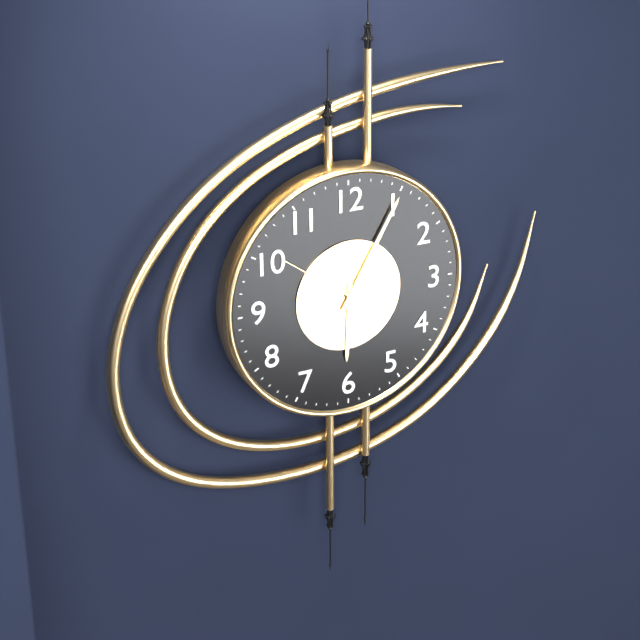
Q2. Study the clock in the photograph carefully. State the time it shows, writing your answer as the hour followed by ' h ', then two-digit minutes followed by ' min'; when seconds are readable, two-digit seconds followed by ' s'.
6 h 05 min 51 s
